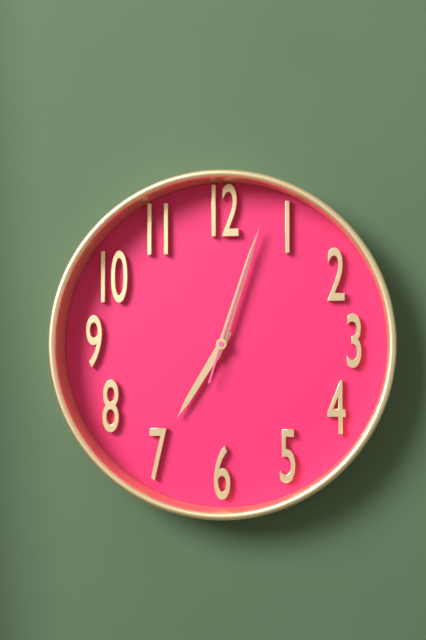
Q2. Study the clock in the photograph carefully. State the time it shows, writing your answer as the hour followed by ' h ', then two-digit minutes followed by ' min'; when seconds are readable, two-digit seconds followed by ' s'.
7 h 03 min 03 s
